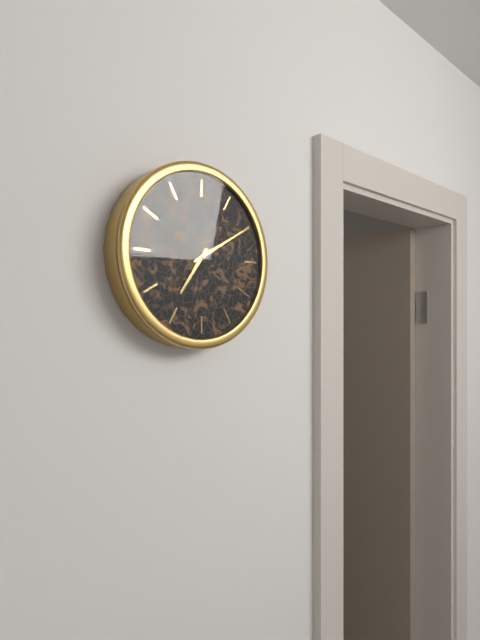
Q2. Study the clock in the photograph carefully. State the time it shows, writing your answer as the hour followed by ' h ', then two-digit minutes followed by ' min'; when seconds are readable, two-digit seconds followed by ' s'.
7 h 10 min
